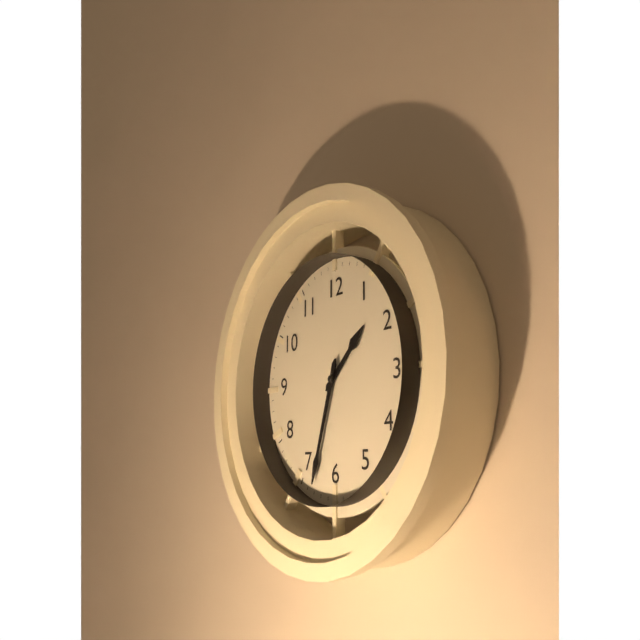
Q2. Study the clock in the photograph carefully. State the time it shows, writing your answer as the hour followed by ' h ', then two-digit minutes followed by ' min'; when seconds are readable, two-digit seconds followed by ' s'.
1 h 33 min
